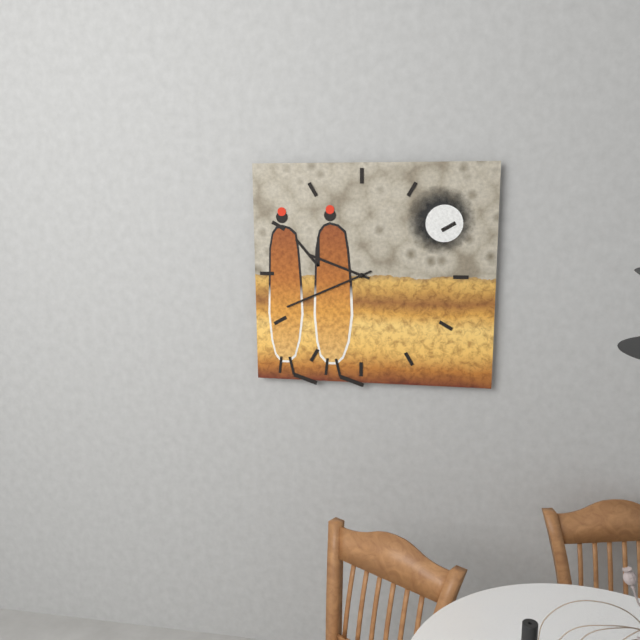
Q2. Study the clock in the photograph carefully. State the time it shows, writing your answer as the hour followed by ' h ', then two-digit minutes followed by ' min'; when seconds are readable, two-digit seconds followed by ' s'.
9 h 41 min
